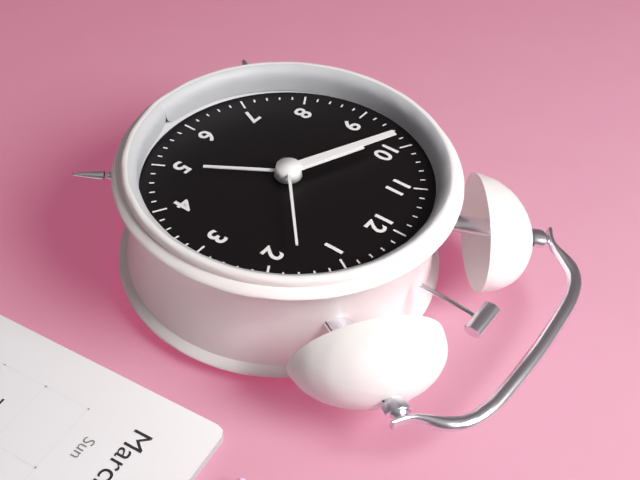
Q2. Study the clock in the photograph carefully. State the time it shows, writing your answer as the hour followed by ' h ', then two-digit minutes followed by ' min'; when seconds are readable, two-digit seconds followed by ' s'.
9 h 49 min 08 s
